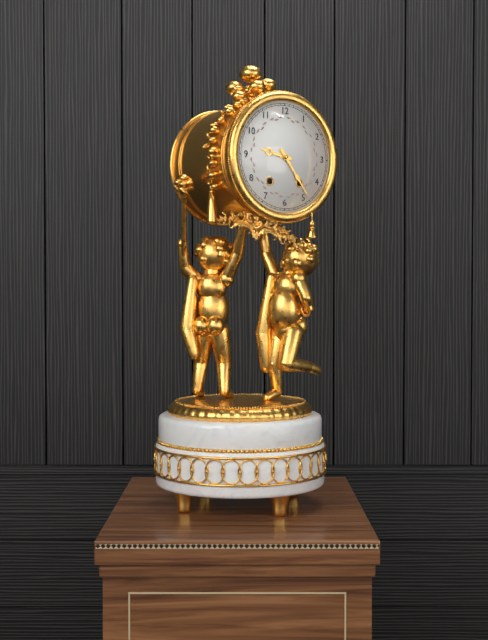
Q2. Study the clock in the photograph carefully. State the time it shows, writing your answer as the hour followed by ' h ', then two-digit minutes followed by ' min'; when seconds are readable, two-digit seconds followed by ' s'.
9 h 24 min
